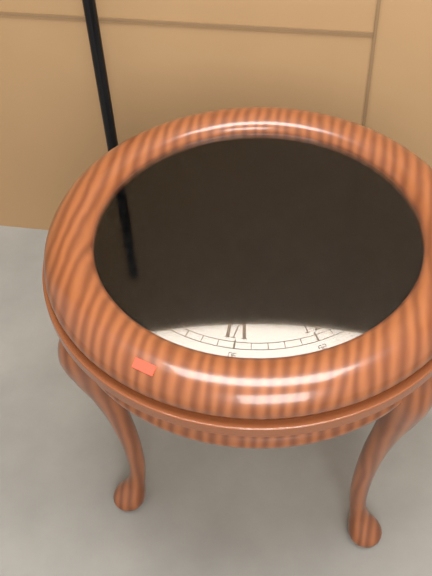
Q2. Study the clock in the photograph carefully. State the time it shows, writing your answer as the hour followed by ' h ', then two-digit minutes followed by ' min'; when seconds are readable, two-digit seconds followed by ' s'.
6 h 06 min
